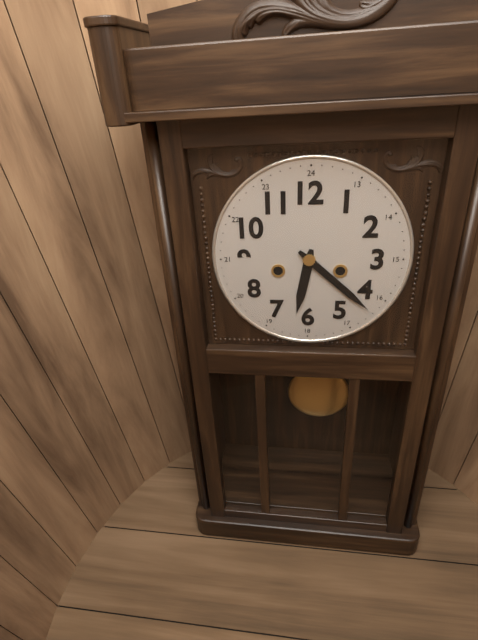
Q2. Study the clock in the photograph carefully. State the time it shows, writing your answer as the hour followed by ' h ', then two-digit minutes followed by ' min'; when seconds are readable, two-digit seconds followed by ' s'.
6 h 22 min
